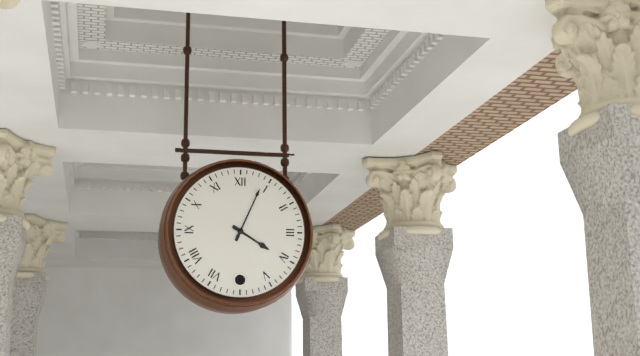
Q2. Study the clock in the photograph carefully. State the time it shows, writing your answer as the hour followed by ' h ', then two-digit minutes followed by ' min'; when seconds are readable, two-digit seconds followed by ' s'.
4 h 04 min
